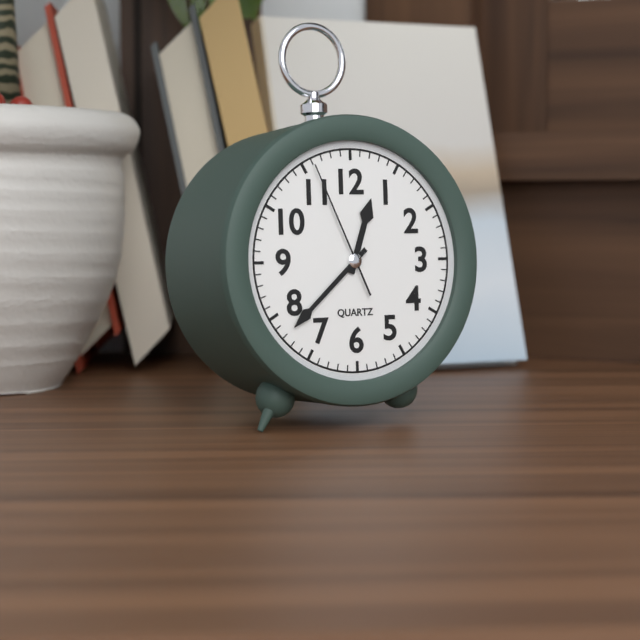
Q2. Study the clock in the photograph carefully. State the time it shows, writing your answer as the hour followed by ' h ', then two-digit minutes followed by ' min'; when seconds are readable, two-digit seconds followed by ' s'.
12 h 38 min 56 s
